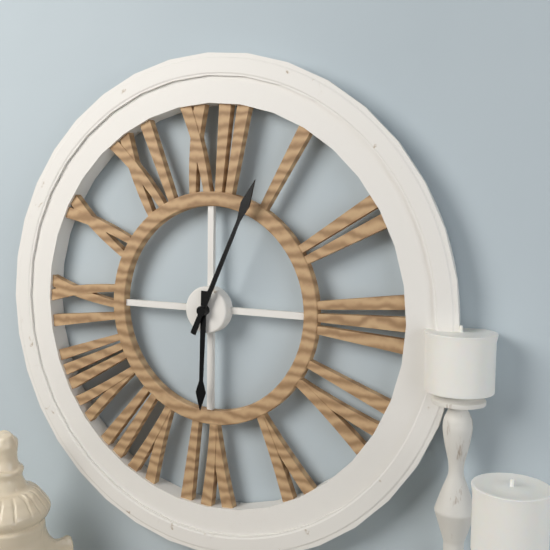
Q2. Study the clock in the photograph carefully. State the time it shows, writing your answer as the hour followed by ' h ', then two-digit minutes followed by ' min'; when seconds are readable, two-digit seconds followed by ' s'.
6 h 04 min
